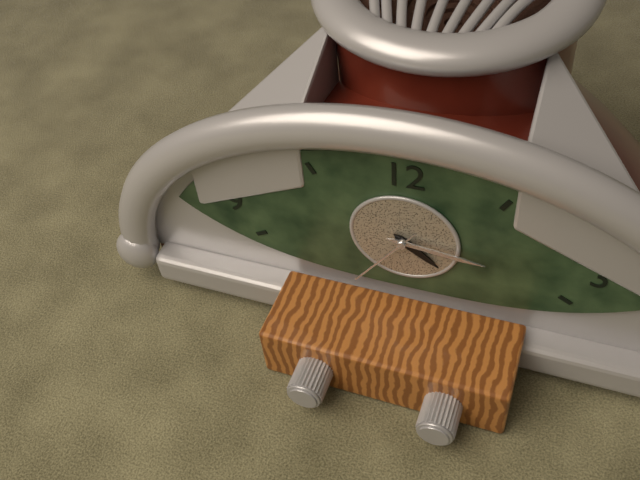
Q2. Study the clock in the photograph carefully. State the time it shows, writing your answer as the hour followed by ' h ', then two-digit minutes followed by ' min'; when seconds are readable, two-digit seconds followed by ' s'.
4 h 16 min 36 s
